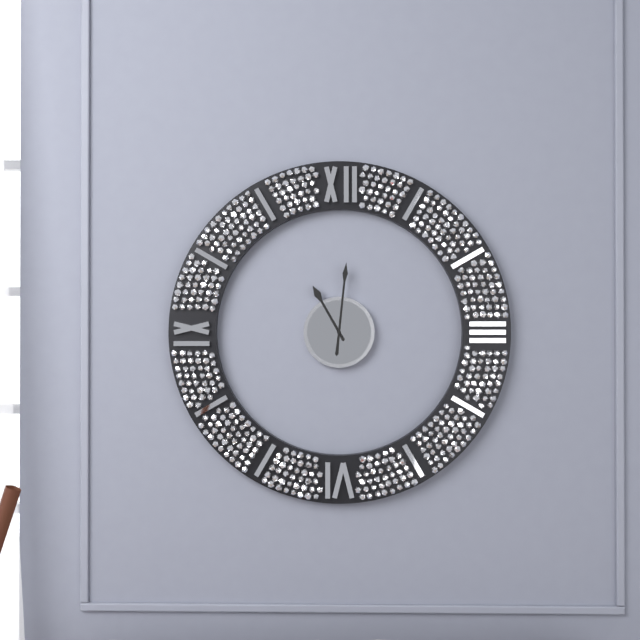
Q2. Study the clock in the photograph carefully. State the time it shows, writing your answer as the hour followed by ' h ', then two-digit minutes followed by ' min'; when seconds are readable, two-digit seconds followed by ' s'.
11 h 01 min
